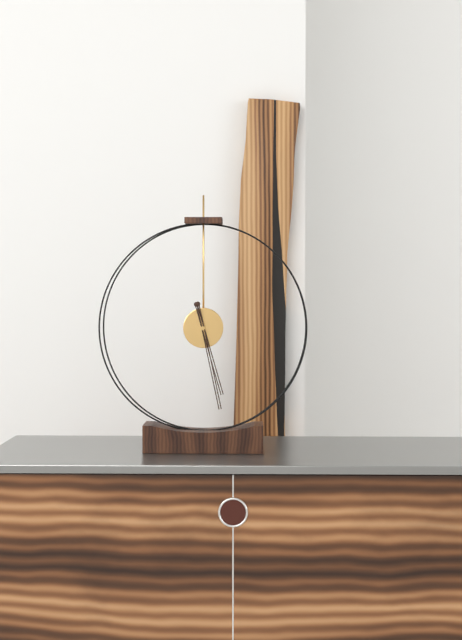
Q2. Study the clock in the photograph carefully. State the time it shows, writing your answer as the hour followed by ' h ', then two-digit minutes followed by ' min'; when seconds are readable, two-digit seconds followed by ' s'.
5 h 28 min
